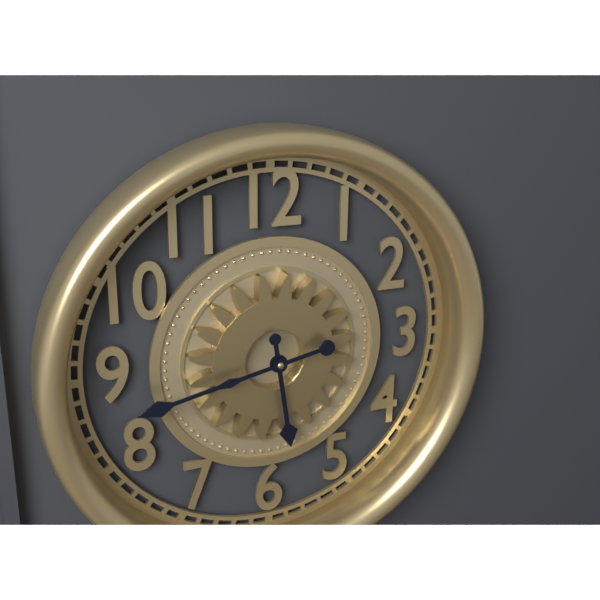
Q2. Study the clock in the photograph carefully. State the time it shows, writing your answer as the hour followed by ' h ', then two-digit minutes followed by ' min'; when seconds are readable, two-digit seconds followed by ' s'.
5 h 43 min
